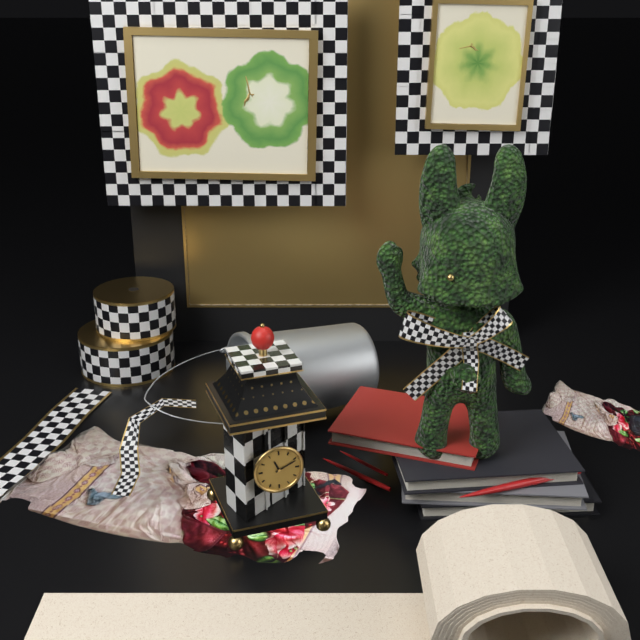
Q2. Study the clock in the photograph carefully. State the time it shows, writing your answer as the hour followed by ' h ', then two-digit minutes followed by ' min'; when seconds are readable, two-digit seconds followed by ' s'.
11 h 11 min
